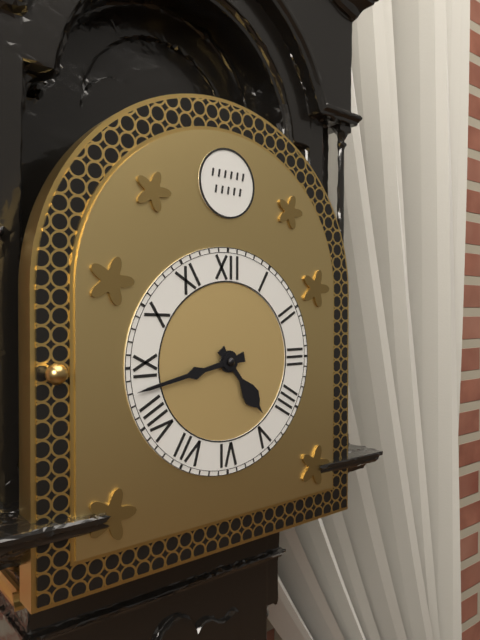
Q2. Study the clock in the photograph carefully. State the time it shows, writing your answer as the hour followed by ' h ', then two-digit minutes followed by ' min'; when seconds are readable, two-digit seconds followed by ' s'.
4 h 43 min
